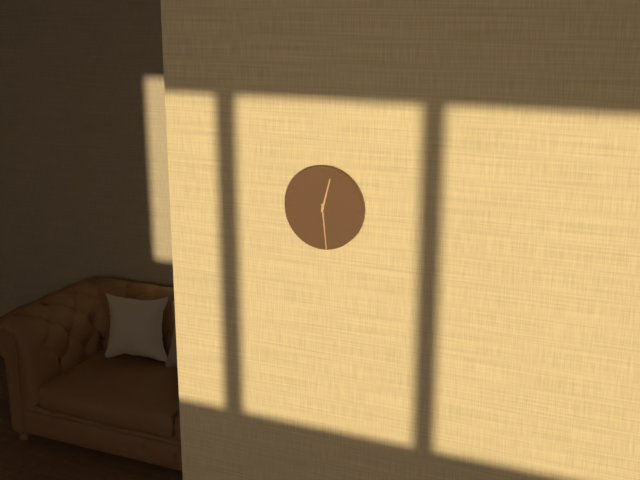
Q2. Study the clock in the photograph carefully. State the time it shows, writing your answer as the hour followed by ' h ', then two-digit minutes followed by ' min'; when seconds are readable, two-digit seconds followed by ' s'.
12 h 29 min
